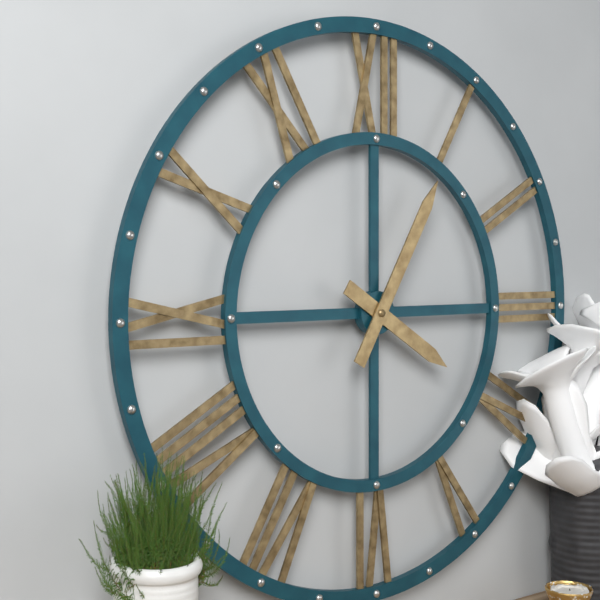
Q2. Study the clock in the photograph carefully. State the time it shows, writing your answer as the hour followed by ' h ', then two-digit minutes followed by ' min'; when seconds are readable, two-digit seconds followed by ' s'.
4 h 05 min
